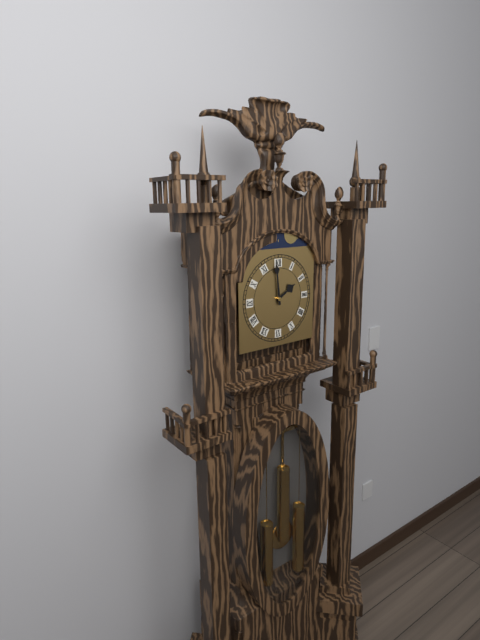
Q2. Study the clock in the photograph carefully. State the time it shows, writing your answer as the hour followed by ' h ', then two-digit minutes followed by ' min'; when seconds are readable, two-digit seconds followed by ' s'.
1 h 59 min
